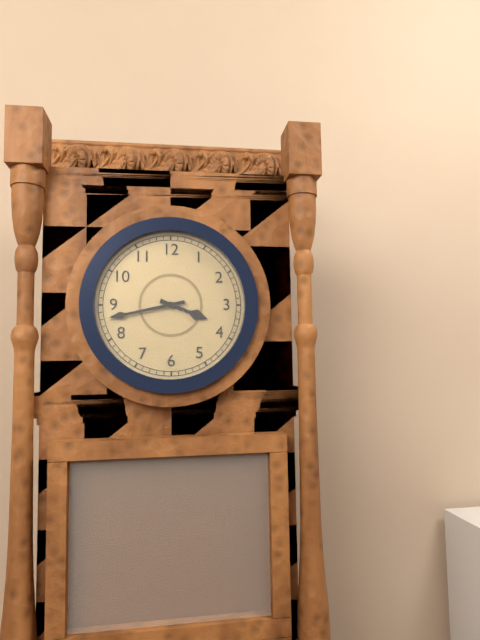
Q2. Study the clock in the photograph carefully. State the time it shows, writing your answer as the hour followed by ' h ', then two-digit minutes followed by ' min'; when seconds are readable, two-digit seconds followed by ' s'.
3 h 43 min
